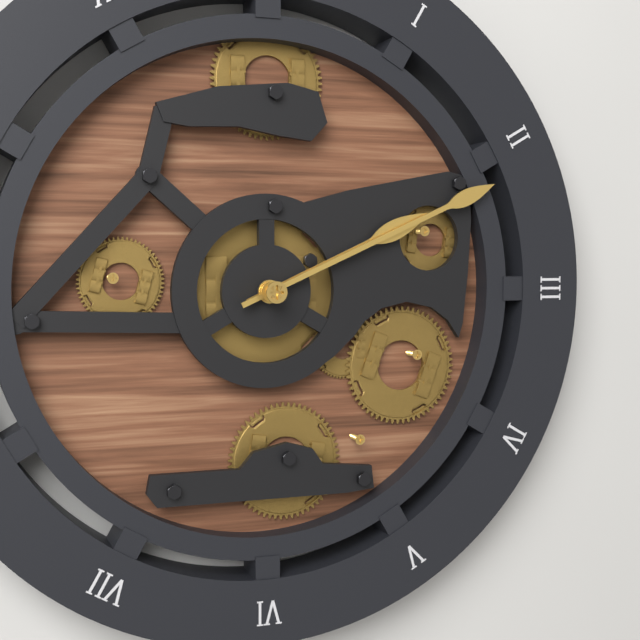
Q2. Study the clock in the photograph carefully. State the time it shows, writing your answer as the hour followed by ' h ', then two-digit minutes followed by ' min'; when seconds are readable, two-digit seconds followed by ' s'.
2 h 11 min
